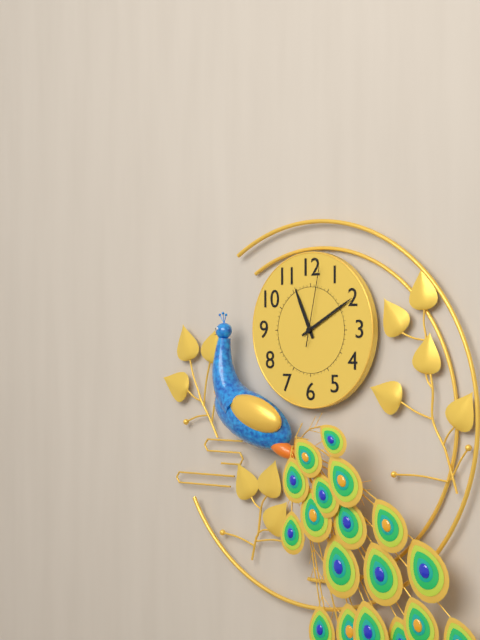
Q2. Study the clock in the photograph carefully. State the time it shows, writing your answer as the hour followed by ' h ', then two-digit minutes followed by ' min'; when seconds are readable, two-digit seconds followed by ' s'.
11 h 10 min 02 s
